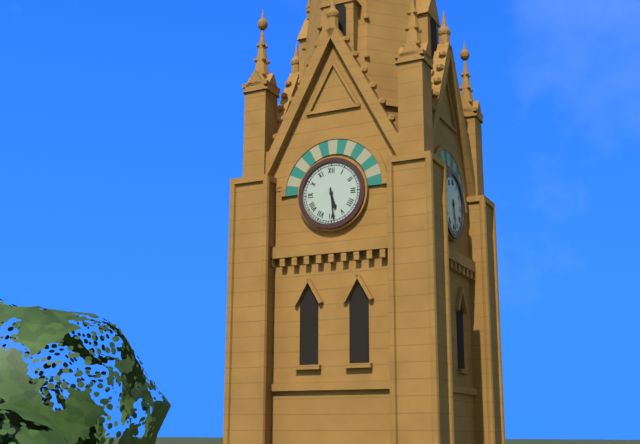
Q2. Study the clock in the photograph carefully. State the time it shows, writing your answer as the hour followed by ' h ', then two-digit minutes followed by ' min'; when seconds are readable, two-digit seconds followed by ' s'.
5 h 29 min
